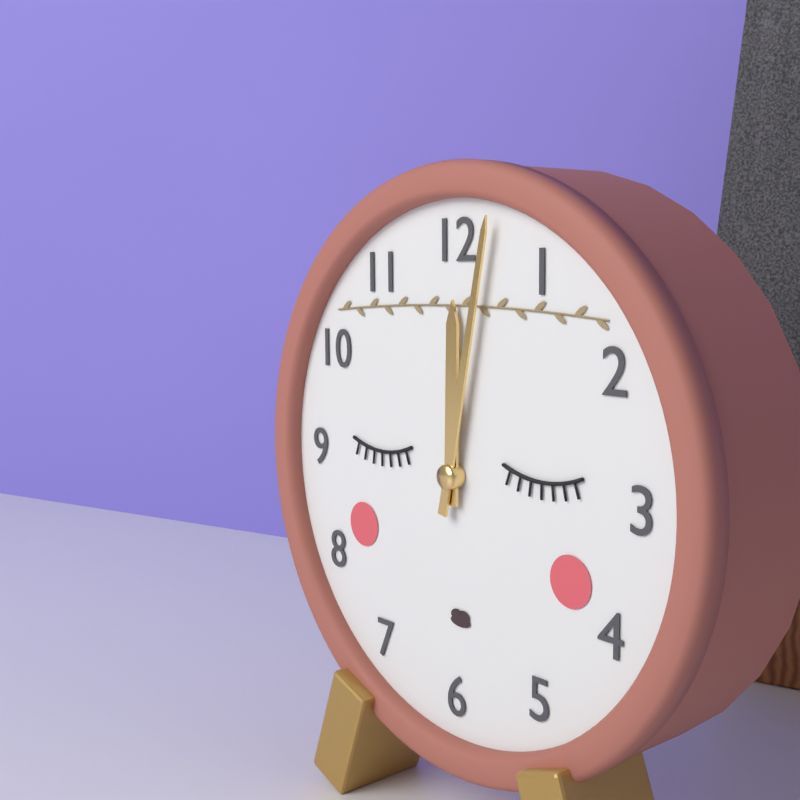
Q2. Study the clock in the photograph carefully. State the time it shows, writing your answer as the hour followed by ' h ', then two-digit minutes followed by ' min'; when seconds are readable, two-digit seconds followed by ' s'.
12 h 02 min
